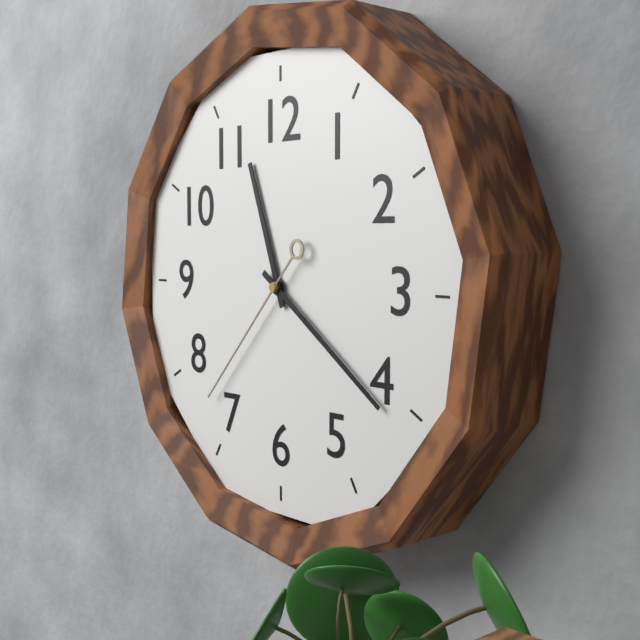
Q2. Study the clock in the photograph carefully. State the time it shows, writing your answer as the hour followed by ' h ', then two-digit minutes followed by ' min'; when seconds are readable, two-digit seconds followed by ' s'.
11 h 21 min 37 s
